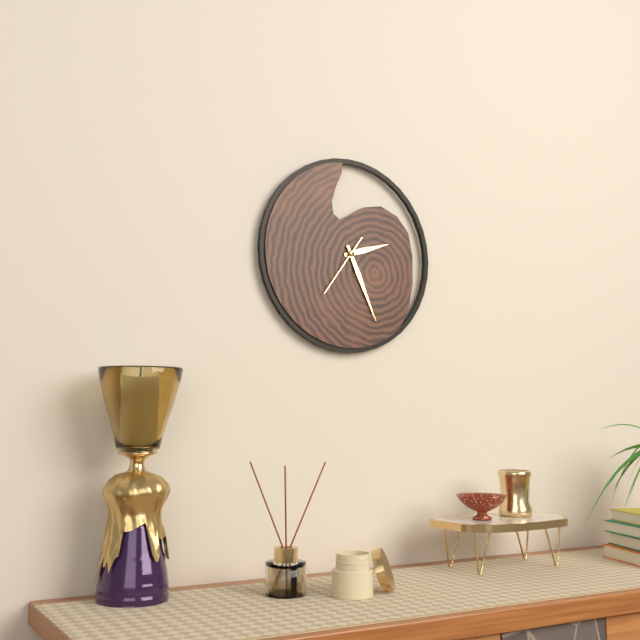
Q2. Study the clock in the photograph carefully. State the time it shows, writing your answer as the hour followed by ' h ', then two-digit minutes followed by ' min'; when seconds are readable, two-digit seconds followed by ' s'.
2 h 26 min 36 s
